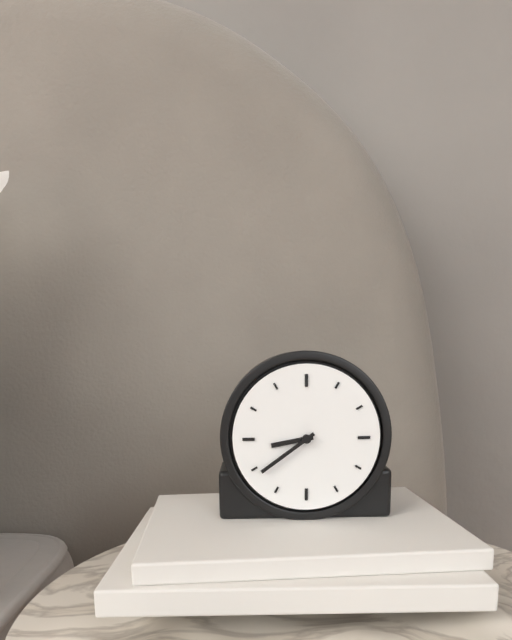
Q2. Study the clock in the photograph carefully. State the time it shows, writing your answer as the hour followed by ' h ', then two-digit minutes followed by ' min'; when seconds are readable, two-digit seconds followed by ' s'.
8 h 39 min
